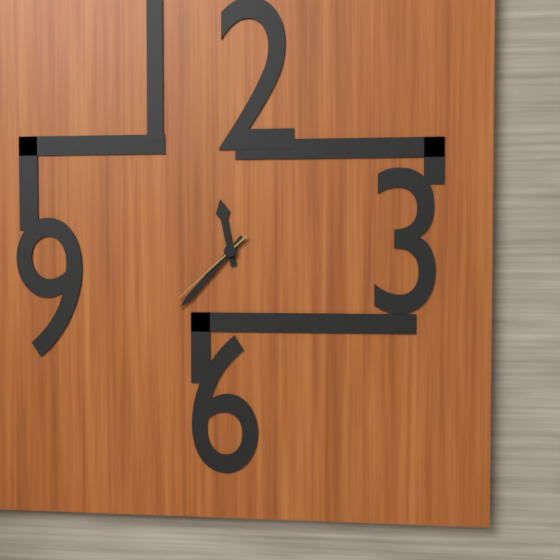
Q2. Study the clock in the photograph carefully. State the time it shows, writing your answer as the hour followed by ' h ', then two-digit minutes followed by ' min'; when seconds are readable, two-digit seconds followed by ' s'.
11 h 37 min 38 s
